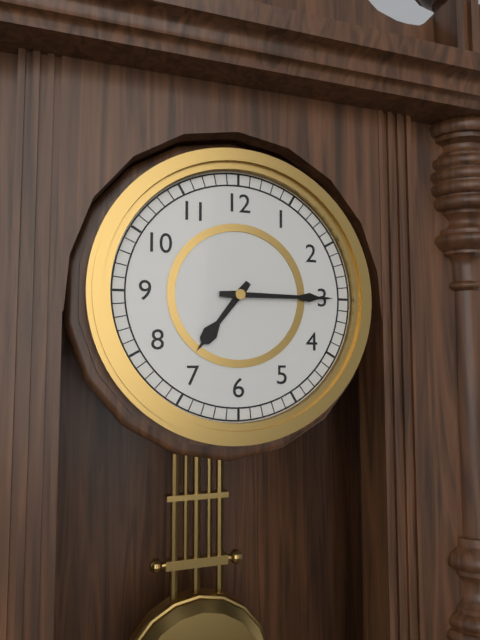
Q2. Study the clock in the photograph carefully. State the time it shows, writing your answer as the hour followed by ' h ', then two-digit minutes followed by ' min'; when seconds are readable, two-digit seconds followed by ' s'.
7 h 15 min
